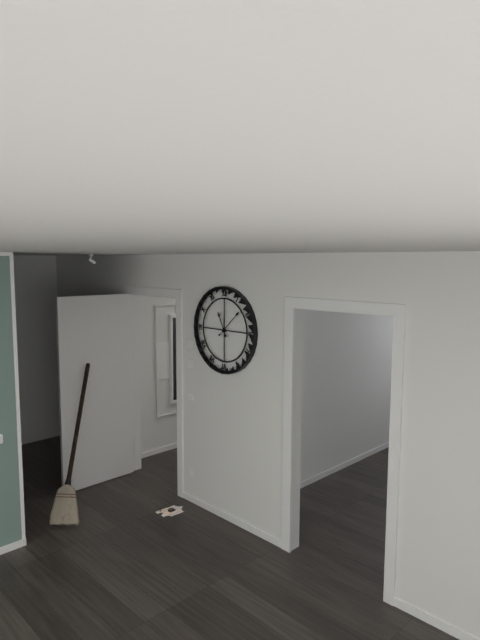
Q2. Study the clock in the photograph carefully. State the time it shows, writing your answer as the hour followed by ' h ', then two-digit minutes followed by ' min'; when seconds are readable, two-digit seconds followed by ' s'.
11 h 08 min
